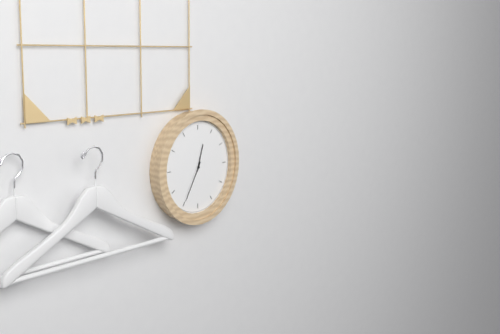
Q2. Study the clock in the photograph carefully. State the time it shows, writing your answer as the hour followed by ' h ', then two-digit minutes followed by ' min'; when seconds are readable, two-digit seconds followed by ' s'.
12 h 35 min
